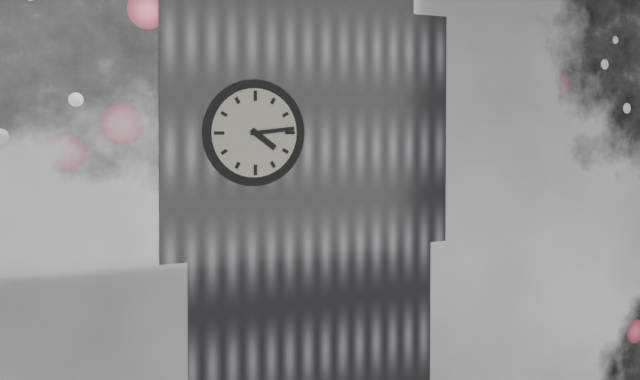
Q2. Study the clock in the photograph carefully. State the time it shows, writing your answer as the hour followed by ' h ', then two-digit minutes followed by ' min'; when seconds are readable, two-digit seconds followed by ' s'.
4 h 14 min
